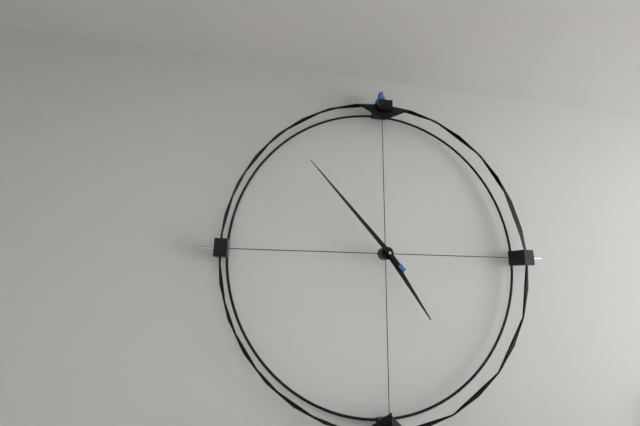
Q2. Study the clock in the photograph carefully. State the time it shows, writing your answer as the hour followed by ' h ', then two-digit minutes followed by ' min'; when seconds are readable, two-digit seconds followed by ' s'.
4 h 53 min
